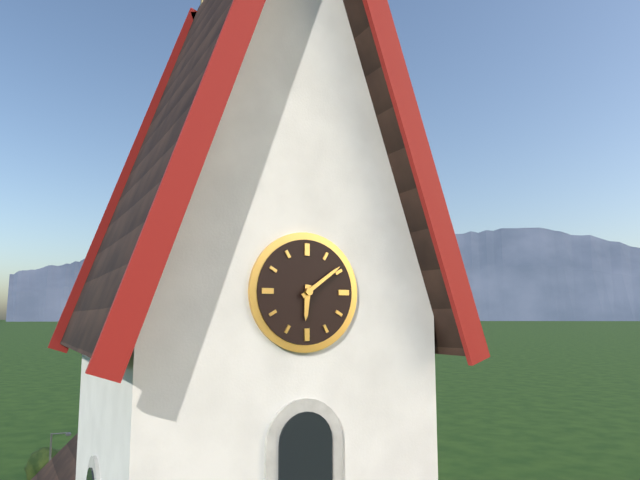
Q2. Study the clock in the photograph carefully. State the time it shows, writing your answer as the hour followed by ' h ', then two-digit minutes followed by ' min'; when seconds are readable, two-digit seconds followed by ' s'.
6 h 09 min
